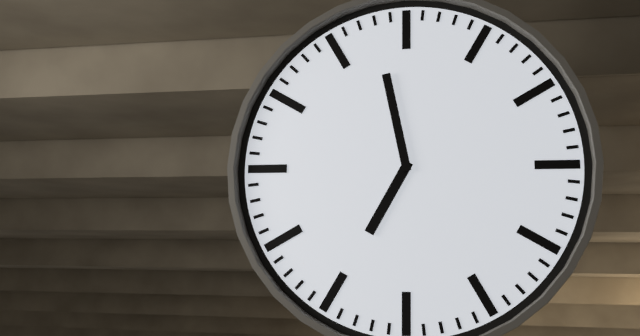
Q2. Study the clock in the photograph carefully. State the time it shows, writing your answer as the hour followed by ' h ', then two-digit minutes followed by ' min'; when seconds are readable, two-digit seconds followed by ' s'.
6 h 58 min
